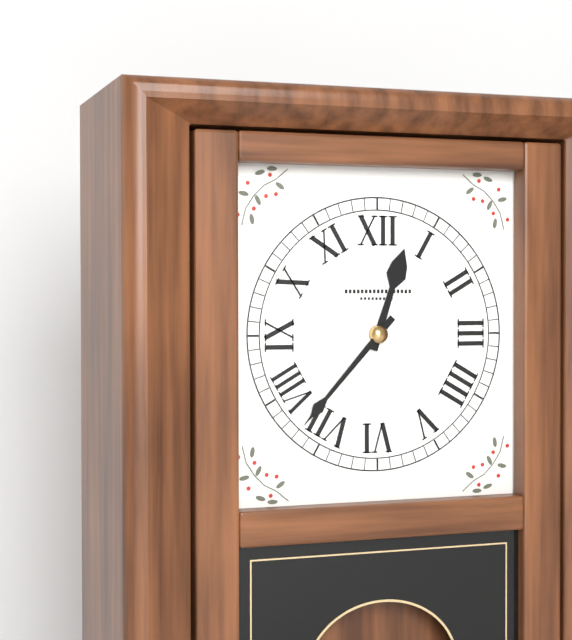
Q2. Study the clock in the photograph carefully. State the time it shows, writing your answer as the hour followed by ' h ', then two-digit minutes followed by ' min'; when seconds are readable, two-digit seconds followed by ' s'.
12 h 37 min
